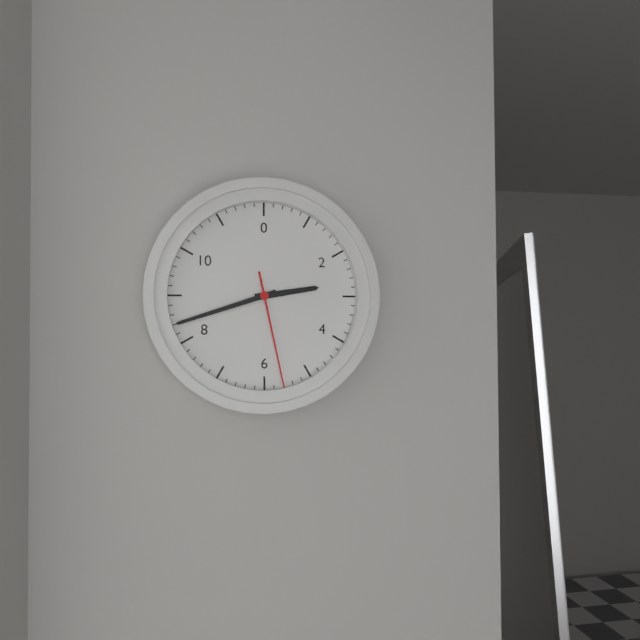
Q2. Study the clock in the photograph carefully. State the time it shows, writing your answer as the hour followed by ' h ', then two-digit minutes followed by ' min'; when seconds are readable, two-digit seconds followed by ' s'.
2 h 42 min 28 s
